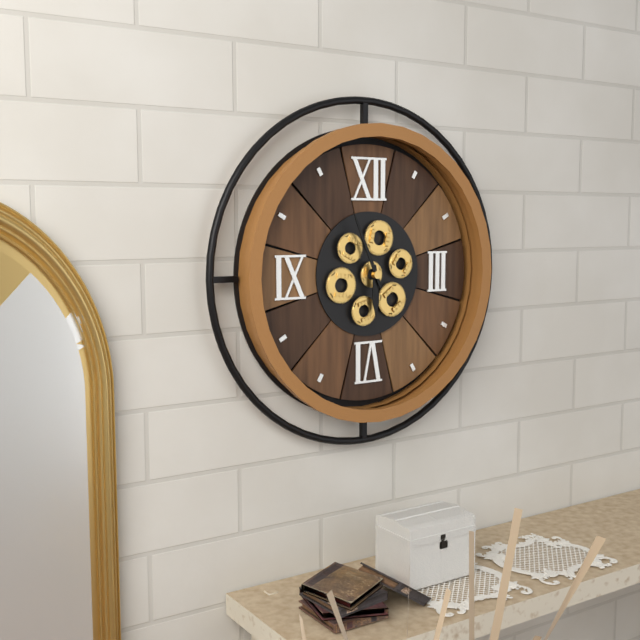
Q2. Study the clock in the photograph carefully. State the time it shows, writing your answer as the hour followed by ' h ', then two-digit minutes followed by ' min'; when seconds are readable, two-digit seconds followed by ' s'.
5 h 56 min
